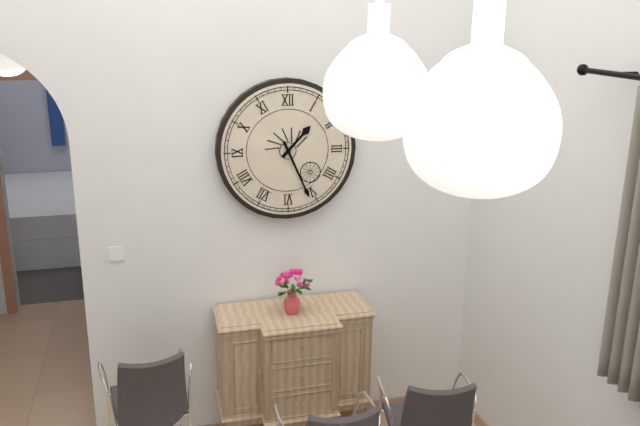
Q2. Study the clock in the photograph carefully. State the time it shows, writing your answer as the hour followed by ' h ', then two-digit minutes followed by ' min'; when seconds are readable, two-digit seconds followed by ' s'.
1 h 26 min
